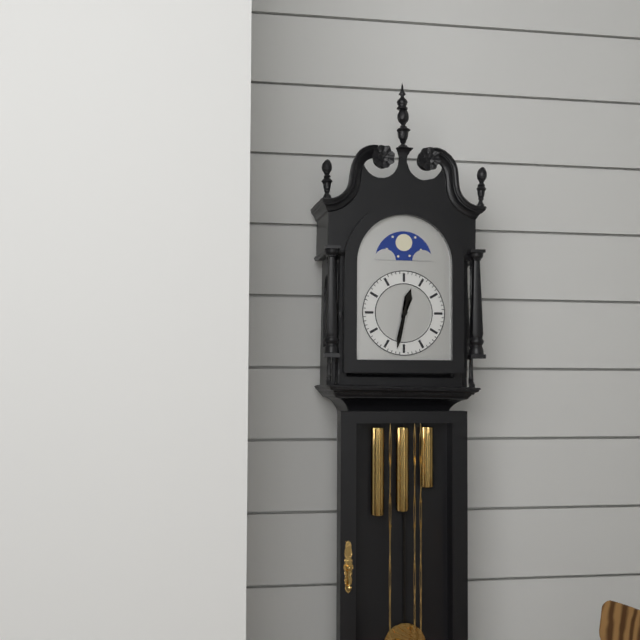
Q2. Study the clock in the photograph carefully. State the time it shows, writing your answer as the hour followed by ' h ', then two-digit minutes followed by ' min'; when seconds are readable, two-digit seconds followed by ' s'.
12 h 32 min
